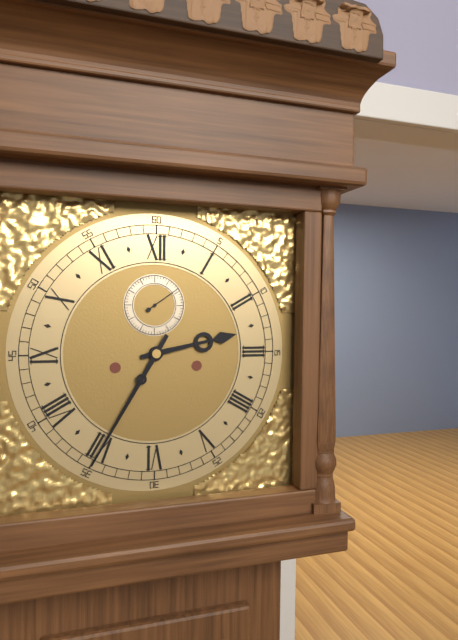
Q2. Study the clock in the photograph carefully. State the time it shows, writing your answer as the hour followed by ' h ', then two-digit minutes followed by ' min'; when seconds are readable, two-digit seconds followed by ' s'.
2 h 35 min
